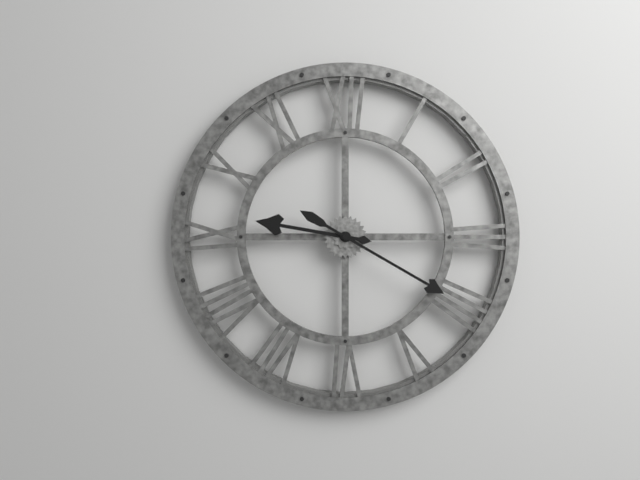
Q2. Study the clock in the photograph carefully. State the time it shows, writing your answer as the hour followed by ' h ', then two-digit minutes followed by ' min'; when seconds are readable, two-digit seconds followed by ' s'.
9 h 20 min
